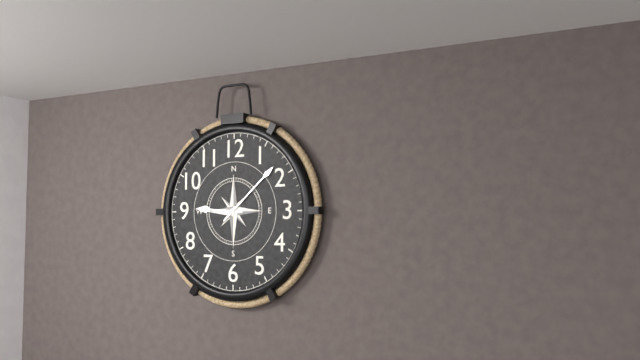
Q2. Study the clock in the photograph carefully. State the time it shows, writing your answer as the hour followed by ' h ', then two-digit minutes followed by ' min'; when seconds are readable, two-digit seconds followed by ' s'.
9 h 08 min
